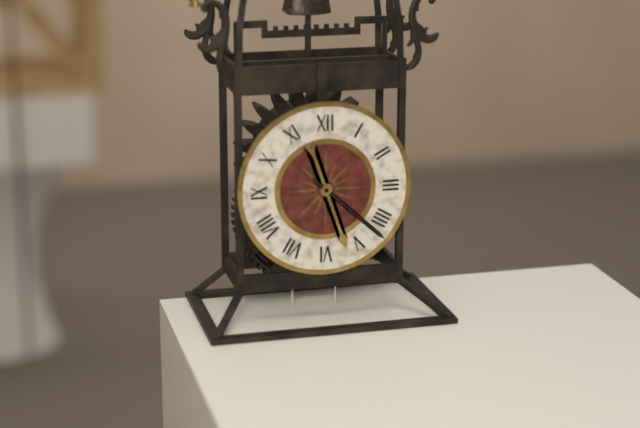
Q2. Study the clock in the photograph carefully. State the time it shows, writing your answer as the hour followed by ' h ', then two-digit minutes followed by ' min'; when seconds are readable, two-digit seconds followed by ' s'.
5 h 22 min
